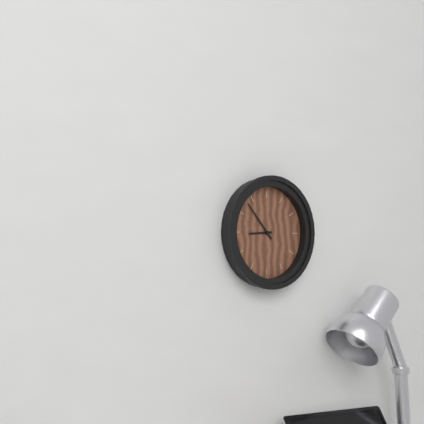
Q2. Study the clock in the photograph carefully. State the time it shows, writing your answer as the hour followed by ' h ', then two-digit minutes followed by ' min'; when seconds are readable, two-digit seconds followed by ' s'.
8 h 53 min
